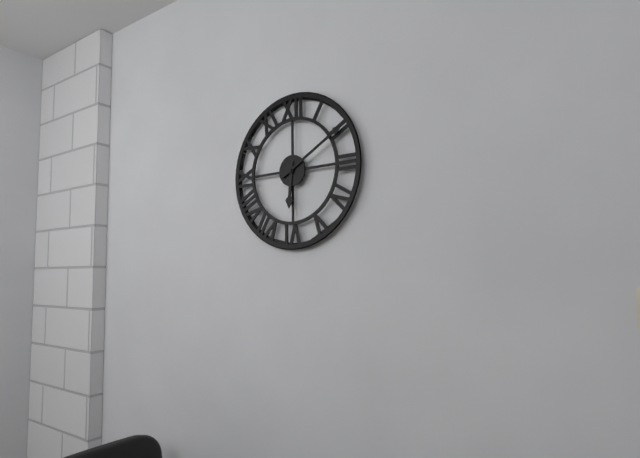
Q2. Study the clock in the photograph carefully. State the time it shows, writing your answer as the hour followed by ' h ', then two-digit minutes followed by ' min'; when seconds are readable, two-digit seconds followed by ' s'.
6 h 10 min
